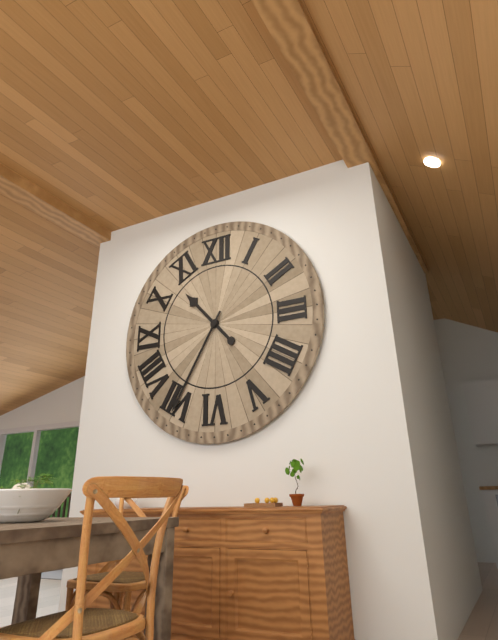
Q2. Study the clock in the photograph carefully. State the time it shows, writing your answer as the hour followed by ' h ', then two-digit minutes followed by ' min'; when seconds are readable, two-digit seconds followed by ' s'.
10 h 35 min
